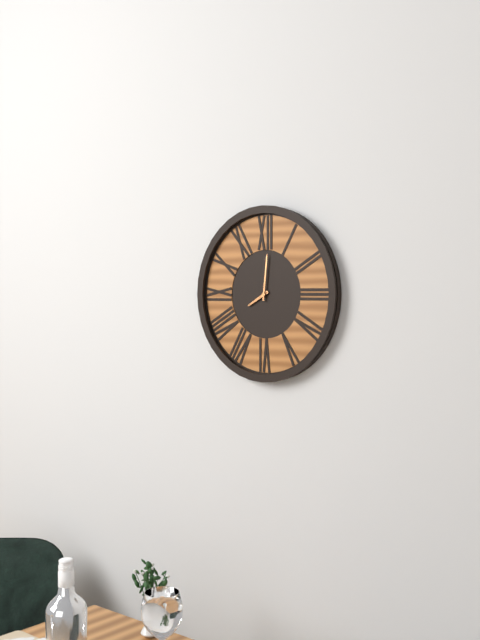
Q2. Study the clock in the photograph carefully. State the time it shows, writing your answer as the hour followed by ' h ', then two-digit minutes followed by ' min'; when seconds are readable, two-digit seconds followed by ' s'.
8 h 01 min
